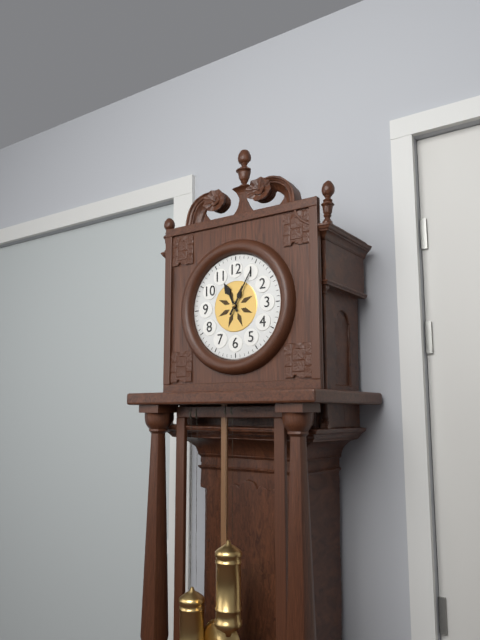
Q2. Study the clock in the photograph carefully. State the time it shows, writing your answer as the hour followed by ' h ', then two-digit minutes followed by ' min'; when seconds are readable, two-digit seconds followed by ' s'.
11 h 05 min
